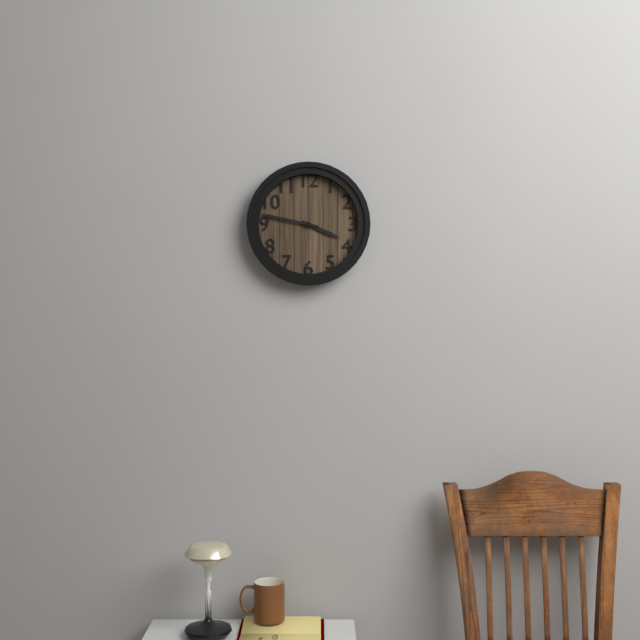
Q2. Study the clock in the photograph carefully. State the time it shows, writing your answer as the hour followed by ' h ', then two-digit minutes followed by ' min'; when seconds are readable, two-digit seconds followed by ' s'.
3 h 47 min
